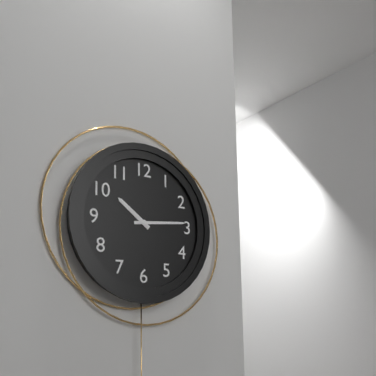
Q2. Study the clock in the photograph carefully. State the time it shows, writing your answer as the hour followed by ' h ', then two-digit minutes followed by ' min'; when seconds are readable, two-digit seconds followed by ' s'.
10 h 14 min
